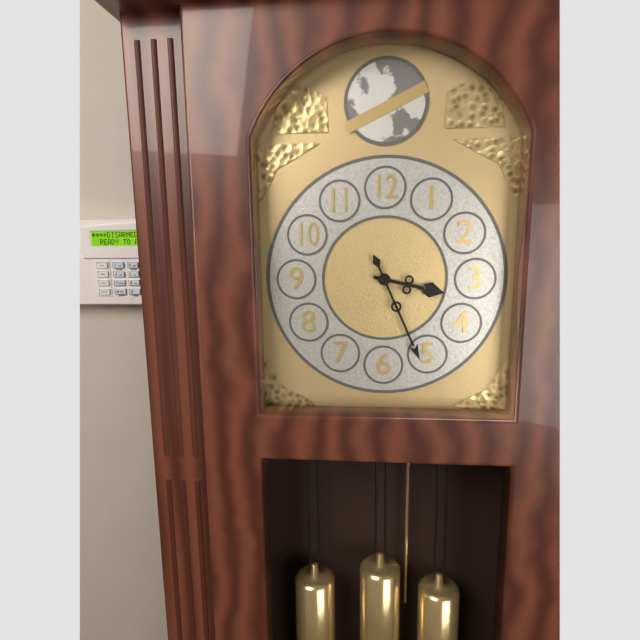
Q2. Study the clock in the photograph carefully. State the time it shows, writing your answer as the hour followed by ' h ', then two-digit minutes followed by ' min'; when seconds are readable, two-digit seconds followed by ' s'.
3 h 26 min
